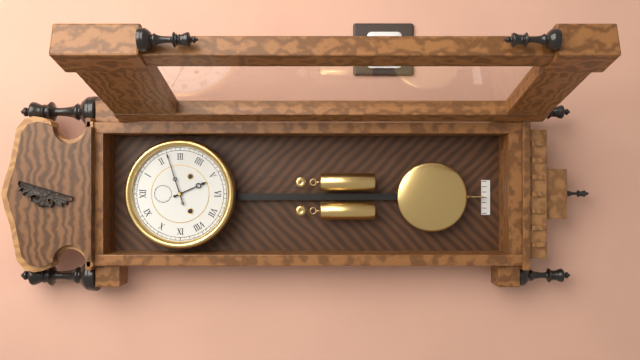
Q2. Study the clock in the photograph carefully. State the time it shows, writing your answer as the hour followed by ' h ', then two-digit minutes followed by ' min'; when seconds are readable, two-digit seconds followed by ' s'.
5 h 12 min
